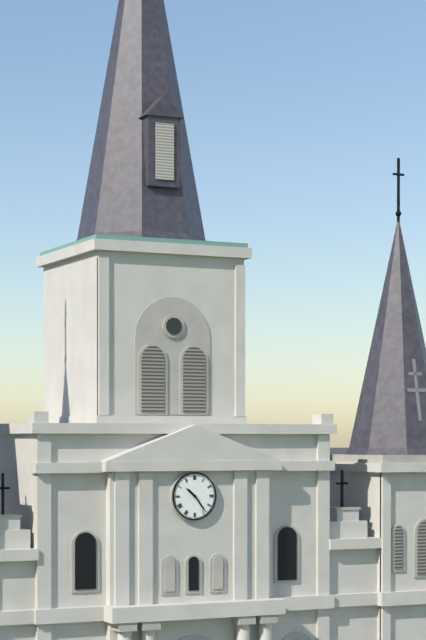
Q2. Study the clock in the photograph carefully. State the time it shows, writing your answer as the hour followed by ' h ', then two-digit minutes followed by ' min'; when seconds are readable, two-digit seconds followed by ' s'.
10 h 24 min
